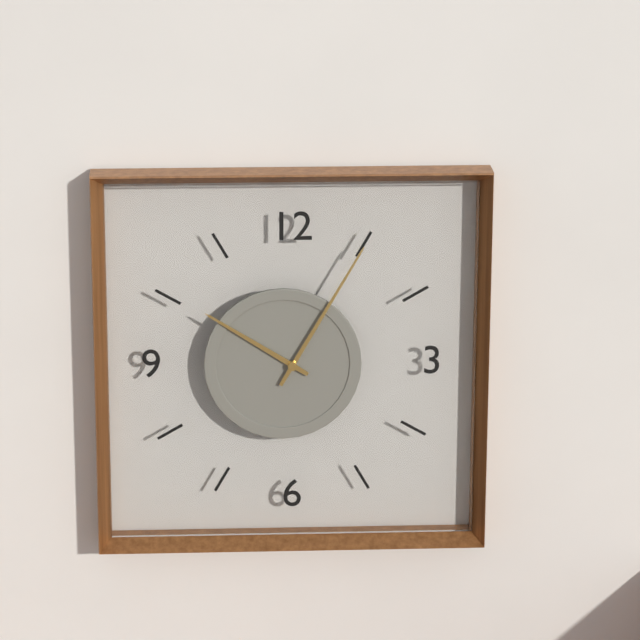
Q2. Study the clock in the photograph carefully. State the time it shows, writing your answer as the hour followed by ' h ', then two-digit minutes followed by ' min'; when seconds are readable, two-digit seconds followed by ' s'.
10 h 05 min
